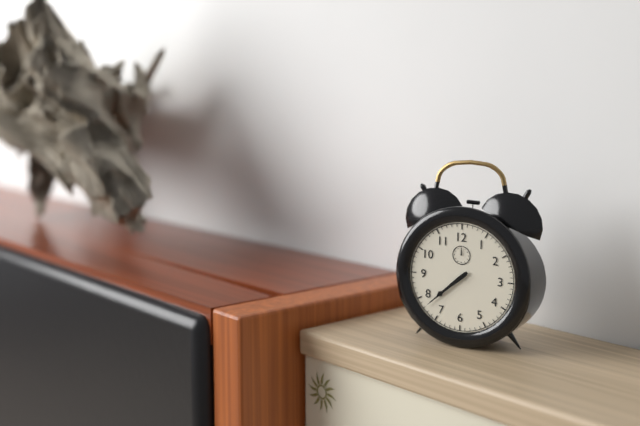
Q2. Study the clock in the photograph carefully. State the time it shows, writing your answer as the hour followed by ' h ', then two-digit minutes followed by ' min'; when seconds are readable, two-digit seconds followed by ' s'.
7 h 38 min
